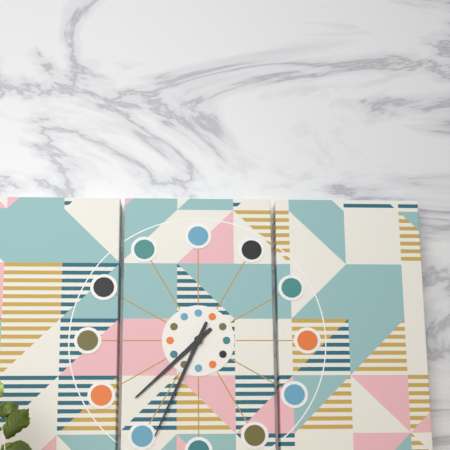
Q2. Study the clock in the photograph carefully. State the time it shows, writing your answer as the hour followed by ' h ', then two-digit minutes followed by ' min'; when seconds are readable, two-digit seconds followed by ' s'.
7 h 34 min
